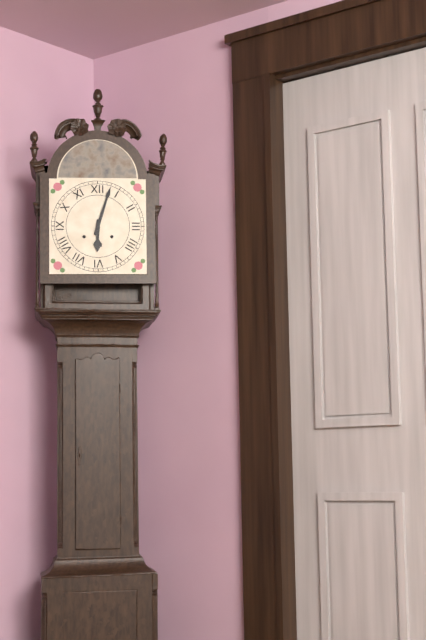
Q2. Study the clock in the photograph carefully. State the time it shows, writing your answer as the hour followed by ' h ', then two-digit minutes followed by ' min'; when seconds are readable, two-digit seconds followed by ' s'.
6 h 03 min
